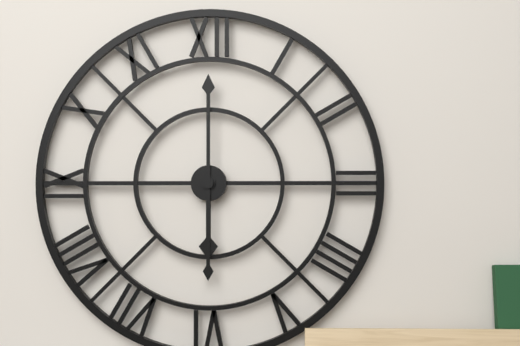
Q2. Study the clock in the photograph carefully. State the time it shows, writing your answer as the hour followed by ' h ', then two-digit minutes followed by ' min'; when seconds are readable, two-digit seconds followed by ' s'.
6 h 00 min
